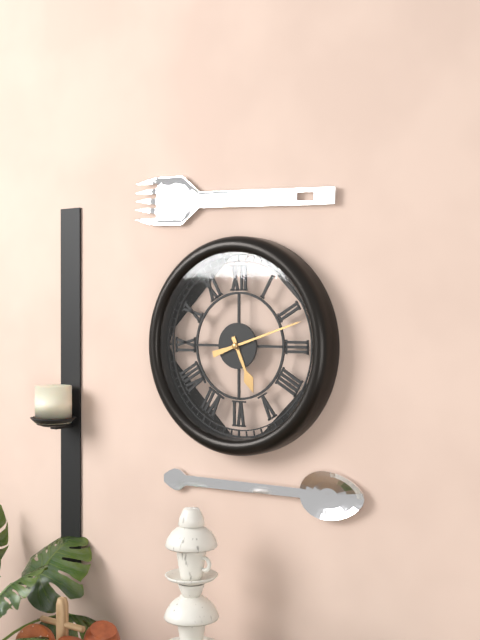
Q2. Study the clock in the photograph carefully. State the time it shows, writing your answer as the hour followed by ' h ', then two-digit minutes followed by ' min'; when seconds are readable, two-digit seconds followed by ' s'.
5 h 12 min
